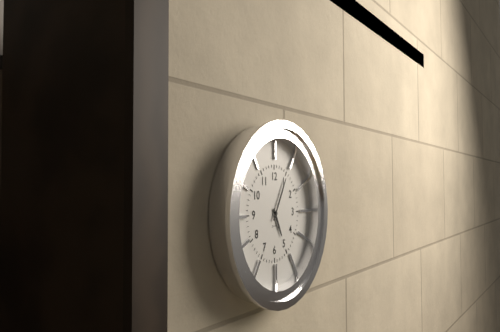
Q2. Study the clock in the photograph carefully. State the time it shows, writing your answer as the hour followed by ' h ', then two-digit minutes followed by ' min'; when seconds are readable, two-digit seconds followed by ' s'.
5 h 05 min
